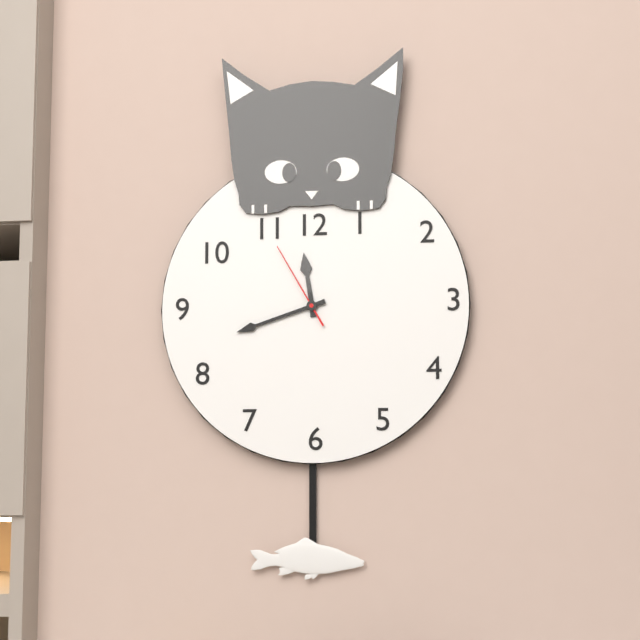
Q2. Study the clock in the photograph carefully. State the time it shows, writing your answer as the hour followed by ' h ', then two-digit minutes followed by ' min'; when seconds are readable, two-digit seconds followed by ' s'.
11 h 42 min 55 s
